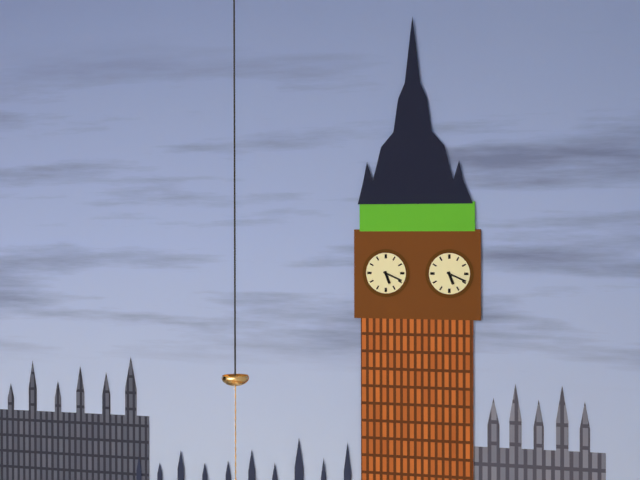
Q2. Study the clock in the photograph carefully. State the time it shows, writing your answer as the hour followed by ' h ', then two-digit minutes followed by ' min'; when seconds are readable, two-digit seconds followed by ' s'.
5 h 19 min
